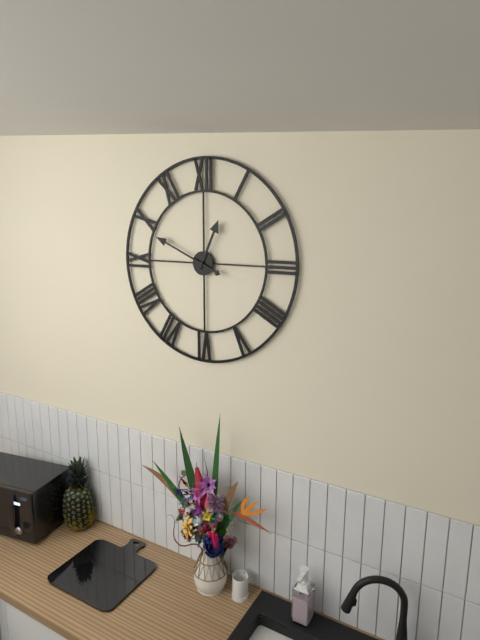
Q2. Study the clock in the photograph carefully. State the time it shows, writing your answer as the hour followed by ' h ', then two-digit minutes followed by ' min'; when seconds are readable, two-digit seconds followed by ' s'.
12 h 49 min
